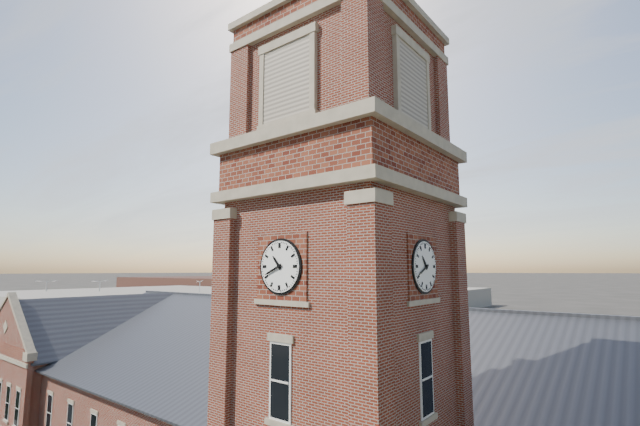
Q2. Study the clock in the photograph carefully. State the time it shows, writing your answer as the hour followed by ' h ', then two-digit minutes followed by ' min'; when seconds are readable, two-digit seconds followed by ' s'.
10 h 41 min
